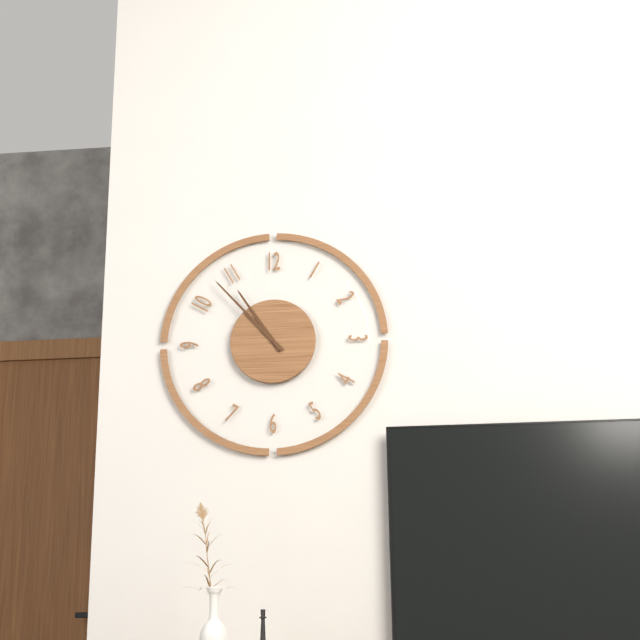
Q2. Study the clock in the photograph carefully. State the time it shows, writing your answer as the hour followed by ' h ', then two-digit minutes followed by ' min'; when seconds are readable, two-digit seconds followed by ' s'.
10 h 53 min
